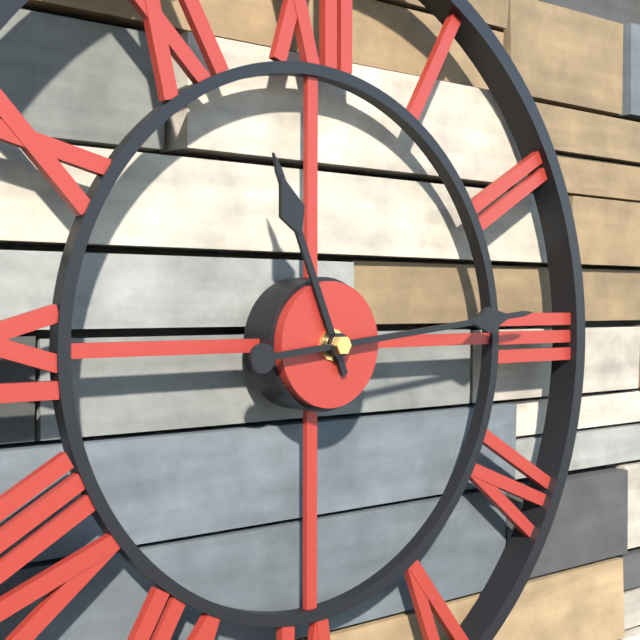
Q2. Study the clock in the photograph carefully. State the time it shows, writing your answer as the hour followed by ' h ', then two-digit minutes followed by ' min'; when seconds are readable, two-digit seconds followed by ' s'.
11 h 14 min
